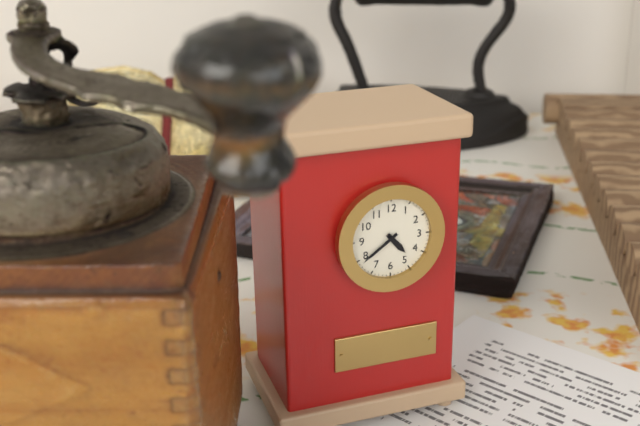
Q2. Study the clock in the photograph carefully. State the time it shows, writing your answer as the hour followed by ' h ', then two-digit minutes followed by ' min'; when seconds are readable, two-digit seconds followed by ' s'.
4 h 39 min
